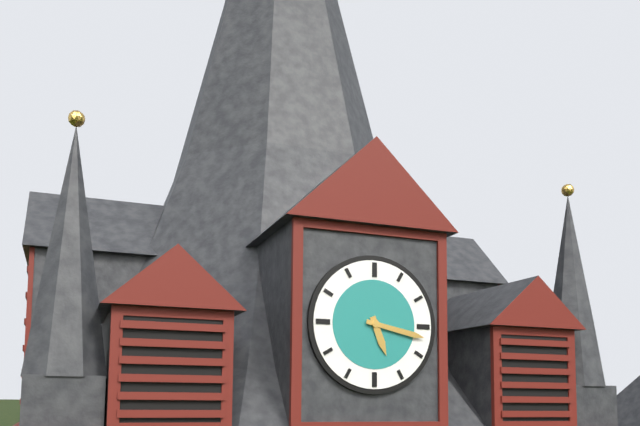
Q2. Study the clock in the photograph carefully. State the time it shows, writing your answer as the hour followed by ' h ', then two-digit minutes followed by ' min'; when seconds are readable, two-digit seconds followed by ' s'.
5 h 17 min
